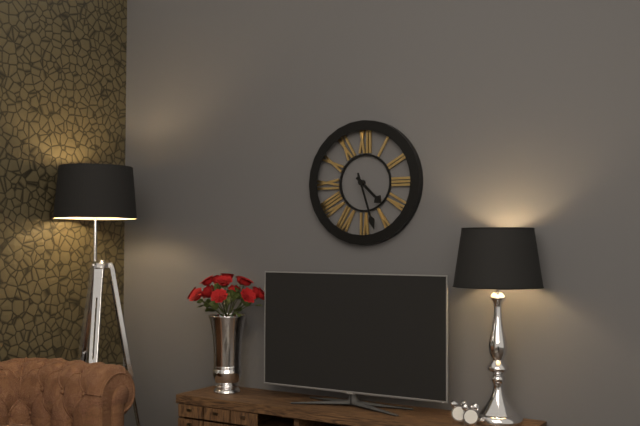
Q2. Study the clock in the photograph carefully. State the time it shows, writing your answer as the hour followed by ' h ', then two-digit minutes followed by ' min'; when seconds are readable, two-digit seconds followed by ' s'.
4 h 27 min
